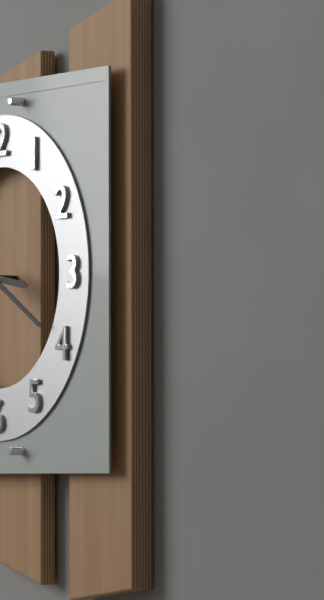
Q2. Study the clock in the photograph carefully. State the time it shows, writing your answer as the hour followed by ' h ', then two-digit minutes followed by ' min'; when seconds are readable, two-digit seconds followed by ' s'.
3 h 20 min
